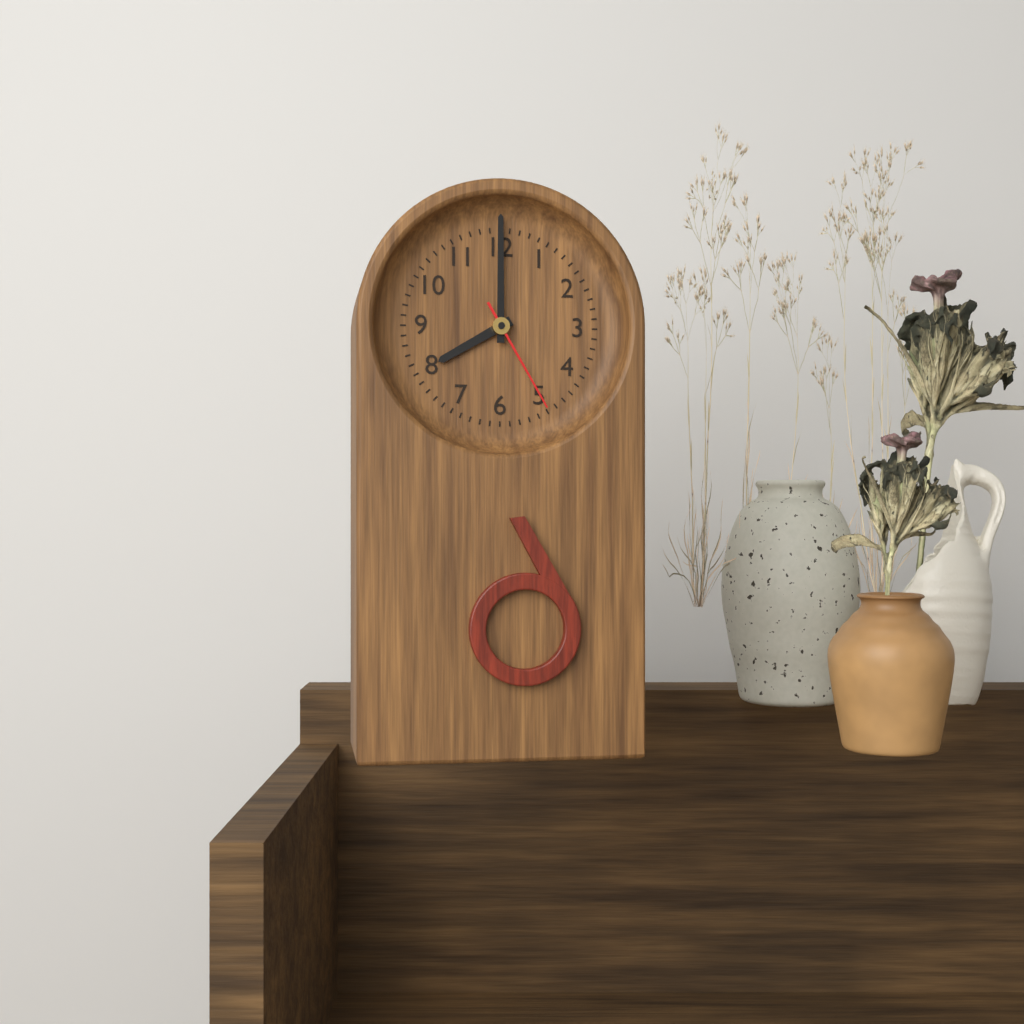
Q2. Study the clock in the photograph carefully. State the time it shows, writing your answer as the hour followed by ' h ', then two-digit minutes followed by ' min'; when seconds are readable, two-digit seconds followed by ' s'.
8 h 00 min 25 s
